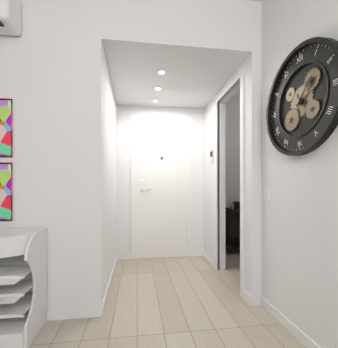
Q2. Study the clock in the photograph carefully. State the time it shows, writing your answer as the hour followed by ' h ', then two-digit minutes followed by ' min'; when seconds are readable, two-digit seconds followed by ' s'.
1 h 29 min
